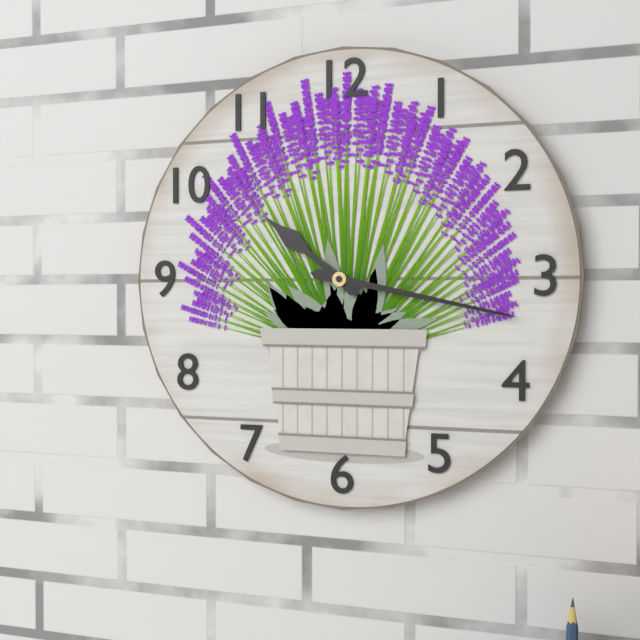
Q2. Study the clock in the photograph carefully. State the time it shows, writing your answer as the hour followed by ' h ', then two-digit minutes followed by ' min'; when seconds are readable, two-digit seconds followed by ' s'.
10 h 17 min
